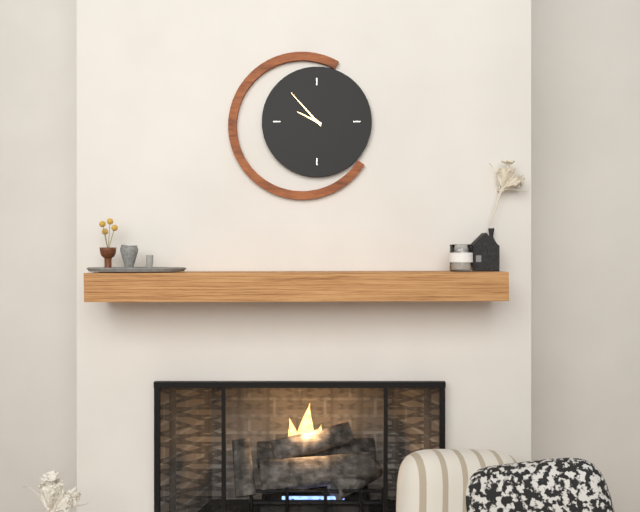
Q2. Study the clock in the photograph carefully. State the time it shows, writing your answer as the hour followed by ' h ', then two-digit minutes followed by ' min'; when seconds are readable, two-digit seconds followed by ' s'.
9 h 53 min
